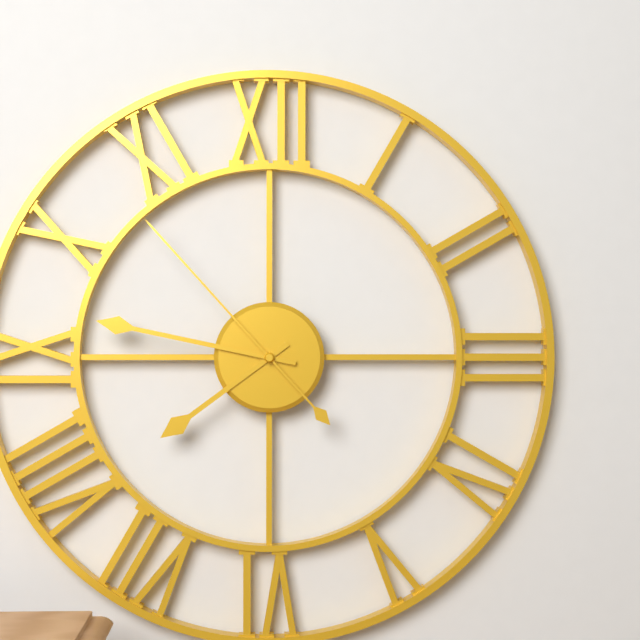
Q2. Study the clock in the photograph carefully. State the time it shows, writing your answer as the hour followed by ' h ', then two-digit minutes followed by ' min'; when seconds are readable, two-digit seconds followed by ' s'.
7 h 47 min 53 s
